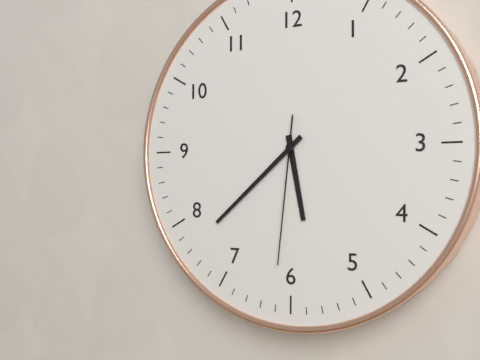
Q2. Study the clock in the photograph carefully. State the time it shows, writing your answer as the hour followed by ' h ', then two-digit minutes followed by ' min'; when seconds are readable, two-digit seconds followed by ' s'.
5 h 38 min 31 s
